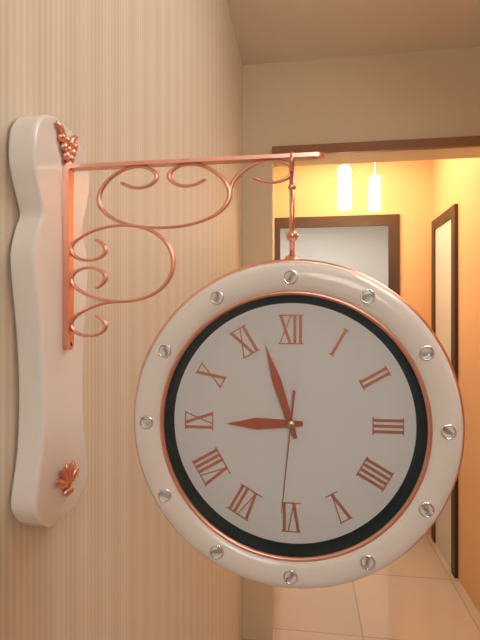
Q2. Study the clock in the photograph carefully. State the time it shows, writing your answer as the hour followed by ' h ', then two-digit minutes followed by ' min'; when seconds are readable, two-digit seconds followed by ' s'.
8 h 57 min 31 s
